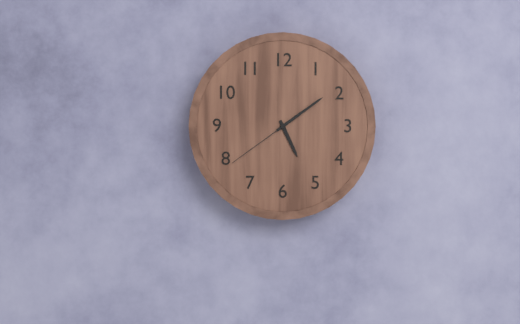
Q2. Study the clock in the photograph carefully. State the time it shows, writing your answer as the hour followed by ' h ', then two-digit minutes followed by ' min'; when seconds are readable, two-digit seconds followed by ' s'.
5 h 09 min 39 s
